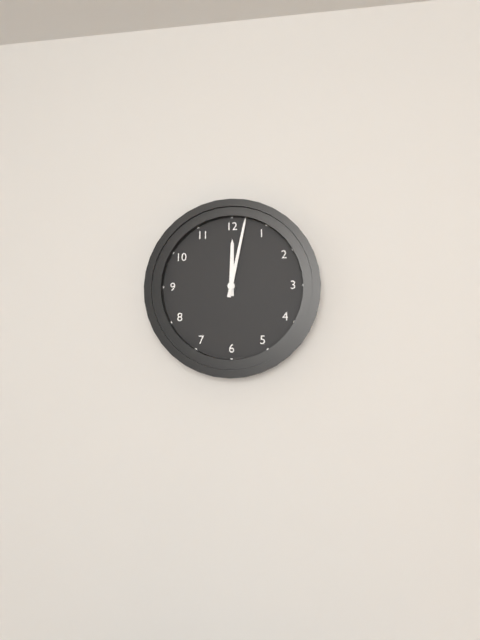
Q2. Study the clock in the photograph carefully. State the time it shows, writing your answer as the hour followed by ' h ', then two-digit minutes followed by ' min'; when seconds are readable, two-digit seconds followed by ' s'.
12 h 02 min
